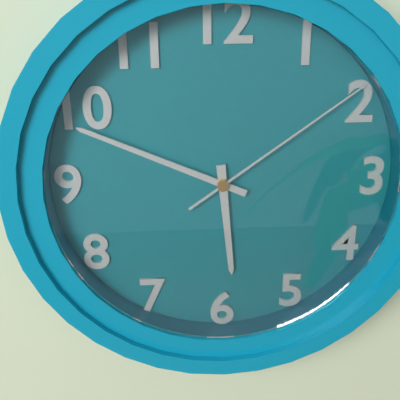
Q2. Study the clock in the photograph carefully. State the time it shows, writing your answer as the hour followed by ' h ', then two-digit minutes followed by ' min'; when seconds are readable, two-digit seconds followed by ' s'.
5 h 49 min 09 s
